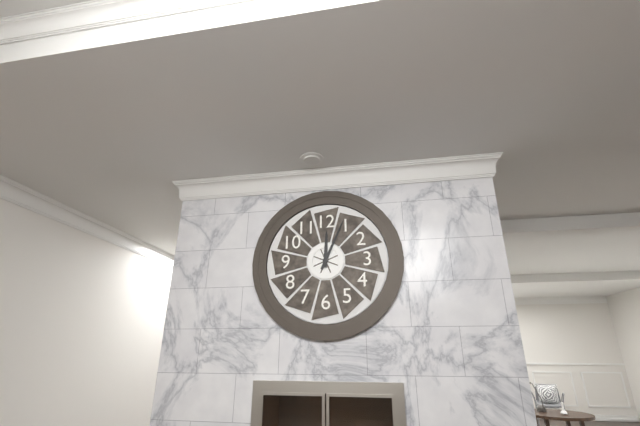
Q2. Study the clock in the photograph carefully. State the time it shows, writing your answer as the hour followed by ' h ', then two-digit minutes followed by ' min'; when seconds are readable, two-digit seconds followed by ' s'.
12 h 04 min
